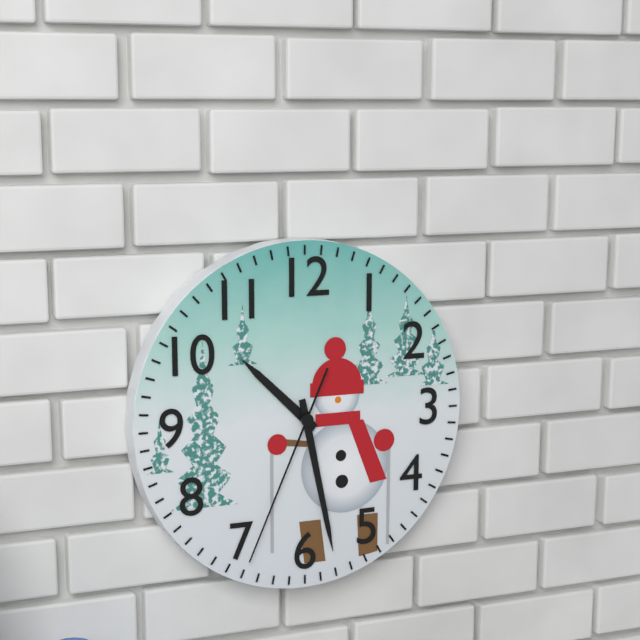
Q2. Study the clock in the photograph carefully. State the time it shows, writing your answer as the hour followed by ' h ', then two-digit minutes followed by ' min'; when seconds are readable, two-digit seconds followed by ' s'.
10 h 28 min 34 s
